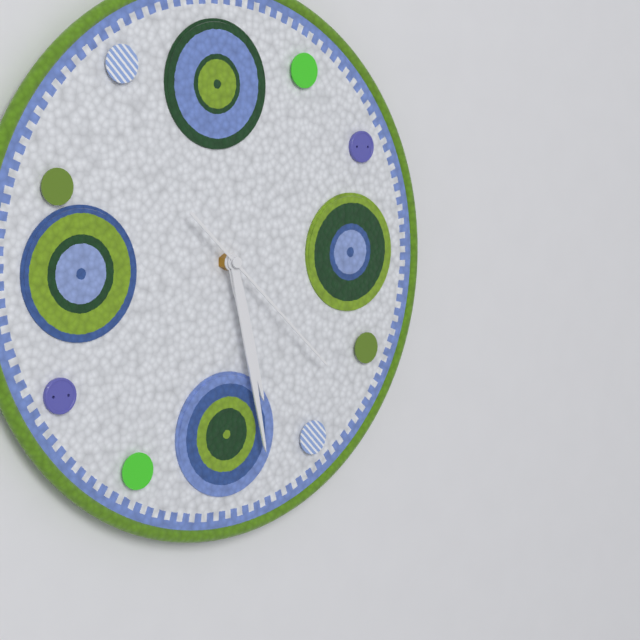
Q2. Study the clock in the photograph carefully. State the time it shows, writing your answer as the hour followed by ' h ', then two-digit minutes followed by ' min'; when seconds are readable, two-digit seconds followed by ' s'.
5 h 28 min 22 s
